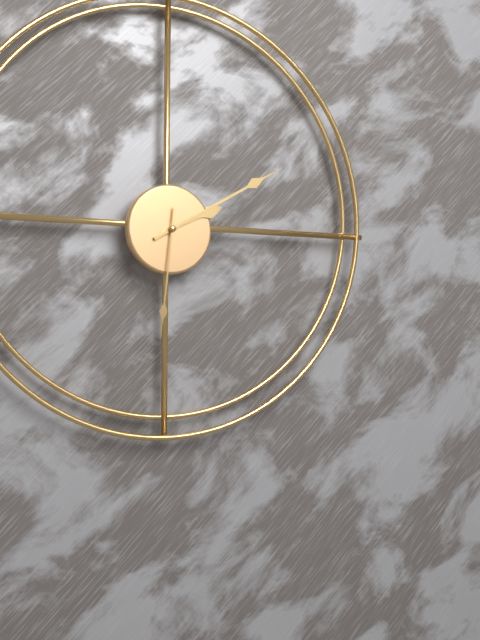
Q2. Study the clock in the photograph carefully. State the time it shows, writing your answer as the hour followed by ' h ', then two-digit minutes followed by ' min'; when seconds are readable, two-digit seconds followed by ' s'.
2 h 10 min 31 s
